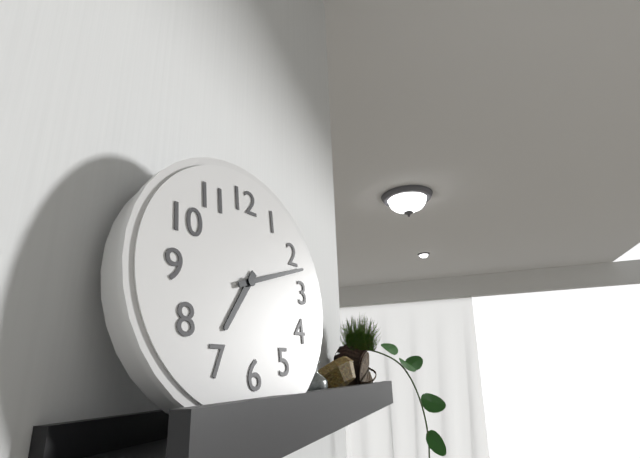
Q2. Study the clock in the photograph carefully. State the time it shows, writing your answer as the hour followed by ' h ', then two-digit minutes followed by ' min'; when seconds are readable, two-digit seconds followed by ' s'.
7 h 12 min
